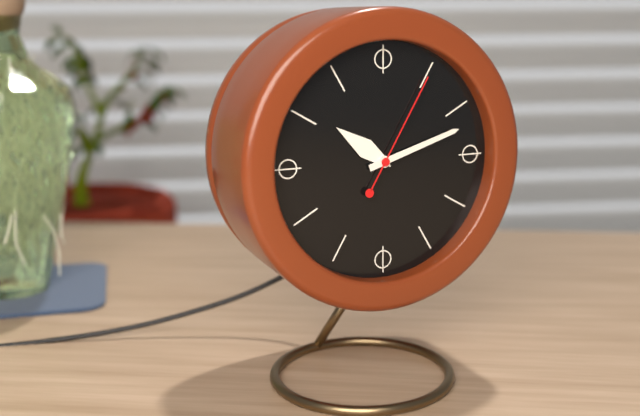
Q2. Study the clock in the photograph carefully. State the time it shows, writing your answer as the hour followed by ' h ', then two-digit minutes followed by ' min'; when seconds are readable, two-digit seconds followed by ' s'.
10 h 12 min 05 s
